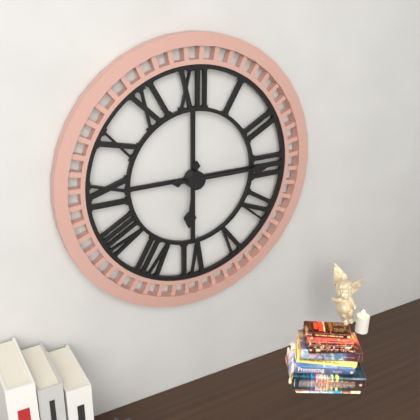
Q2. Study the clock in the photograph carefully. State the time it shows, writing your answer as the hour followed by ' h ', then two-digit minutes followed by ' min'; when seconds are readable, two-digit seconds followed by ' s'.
6 h 15 min
